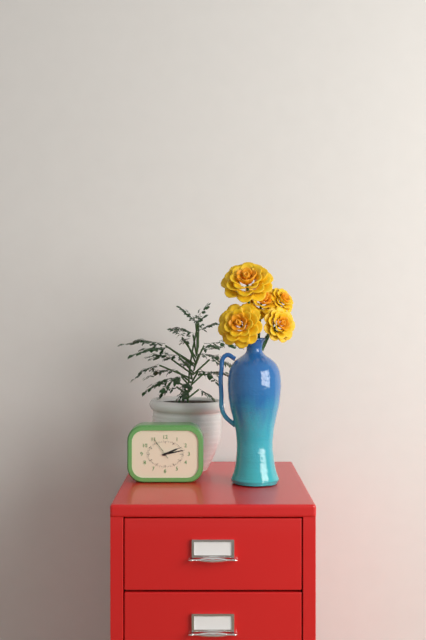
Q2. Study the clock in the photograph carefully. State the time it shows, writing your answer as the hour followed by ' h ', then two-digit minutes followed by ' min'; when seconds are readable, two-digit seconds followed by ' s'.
2 h 13 min
